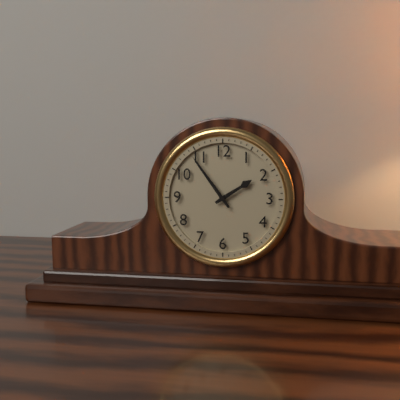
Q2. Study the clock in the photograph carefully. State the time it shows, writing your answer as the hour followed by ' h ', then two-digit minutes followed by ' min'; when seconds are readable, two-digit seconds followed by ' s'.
1 h 54 min
